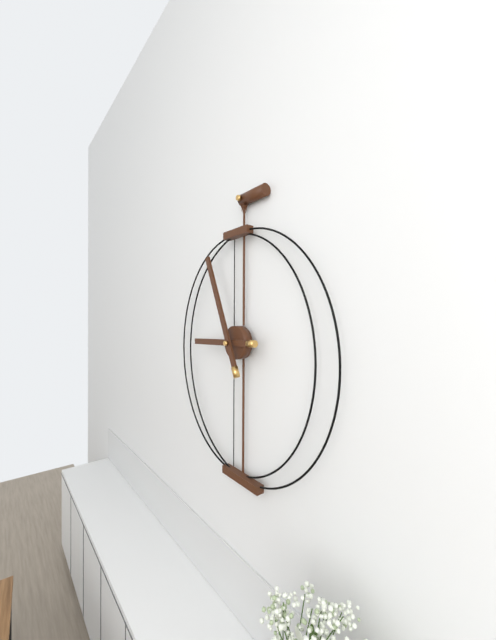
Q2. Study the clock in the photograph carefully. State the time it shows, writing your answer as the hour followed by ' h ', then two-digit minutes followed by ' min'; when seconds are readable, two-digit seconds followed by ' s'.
8 h 56 min
